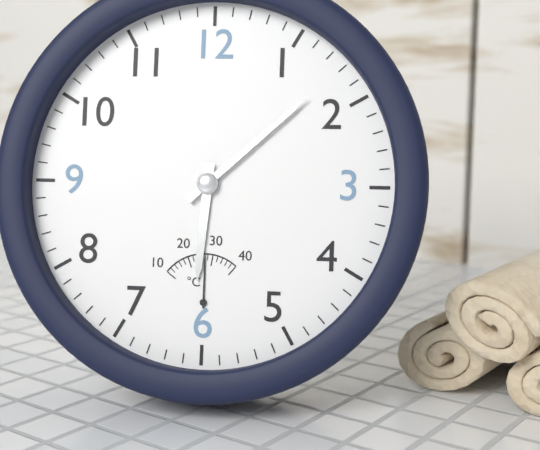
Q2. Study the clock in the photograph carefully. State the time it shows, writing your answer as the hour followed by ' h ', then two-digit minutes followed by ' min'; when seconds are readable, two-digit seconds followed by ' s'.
6 h 08 min
